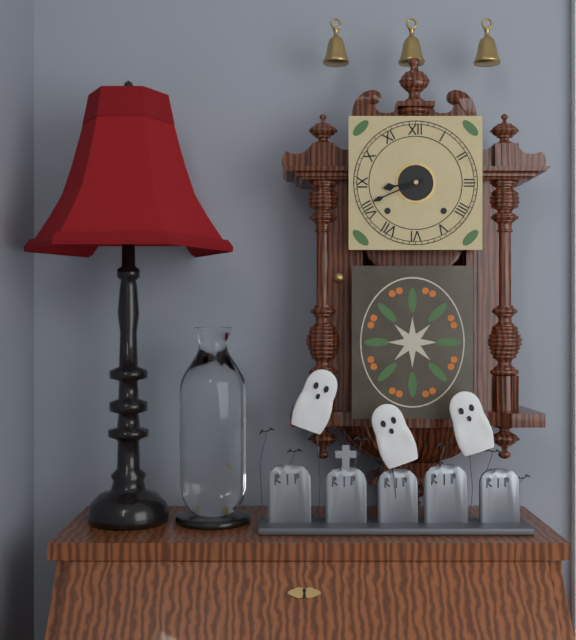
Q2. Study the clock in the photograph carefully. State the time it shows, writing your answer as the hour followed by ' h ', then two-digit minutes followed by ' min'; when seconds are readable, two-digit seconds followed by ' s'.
8 h 41 min
